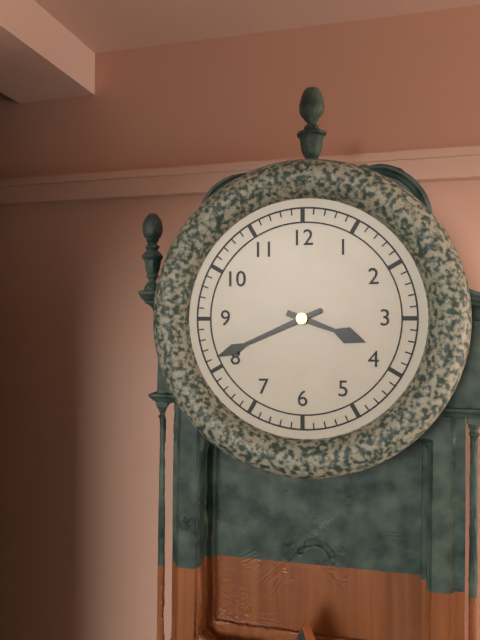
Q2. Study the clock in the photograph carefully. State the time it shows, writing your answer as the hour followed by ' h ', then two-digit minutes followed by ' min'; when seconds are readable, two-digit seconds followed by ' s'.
3 h 41 min
